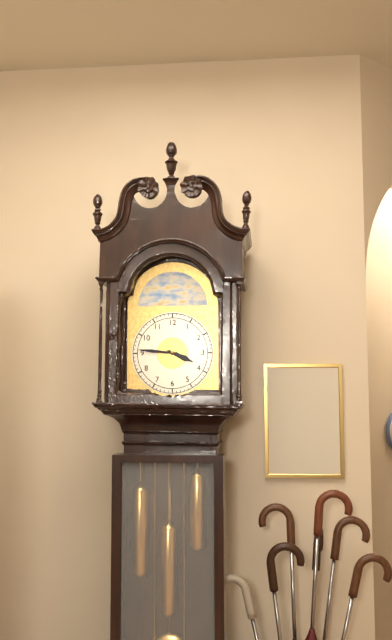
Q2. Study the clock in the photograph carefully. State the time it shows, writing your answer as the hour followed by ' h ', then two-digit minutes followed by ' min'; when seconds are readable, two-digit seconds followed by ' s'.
3 h 46 min
